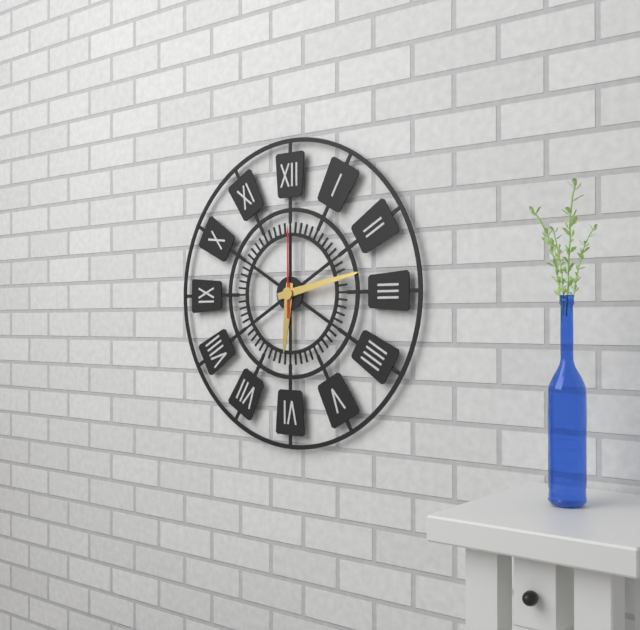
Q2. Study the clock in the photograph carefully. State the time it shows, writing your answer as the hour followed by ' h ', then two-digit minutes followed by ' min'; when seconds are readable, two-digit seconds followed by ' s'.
6 h 13 min 00 s
